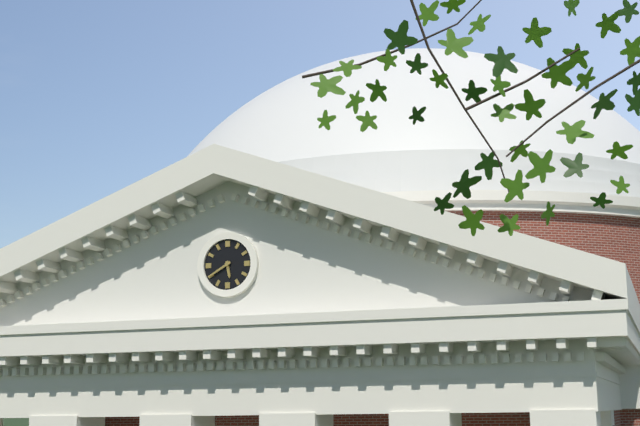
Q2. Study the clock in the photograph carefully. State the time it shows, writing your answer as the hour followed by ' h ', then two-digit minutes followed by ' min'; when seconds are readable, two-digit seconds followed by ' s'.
5 h 40 min
